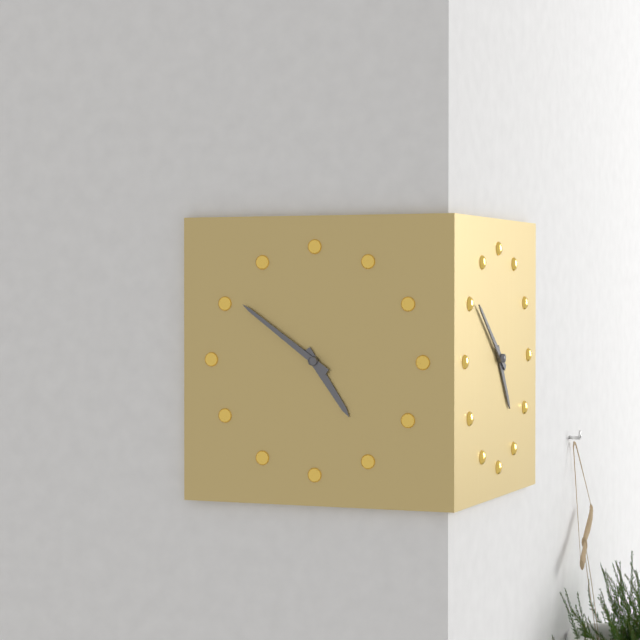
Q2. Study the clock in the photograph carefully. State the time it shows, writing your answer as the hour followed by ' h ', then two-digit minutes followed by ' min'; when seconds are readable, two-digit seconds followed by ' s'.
4 h 51 min
